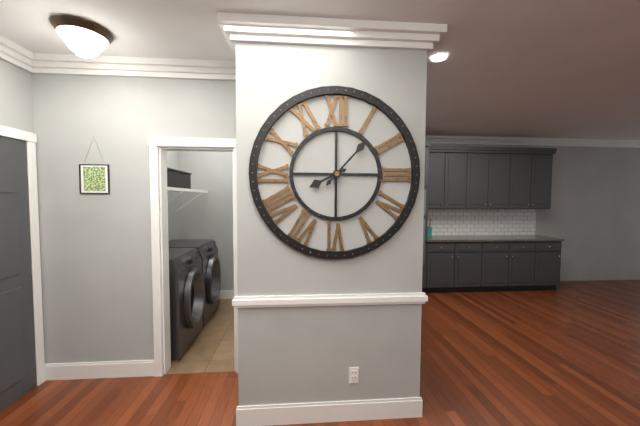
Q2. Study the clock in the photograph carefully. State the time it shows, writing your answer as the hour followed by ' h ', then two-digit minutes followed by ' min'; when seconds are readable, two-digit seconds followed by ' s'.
8 h 07 min
